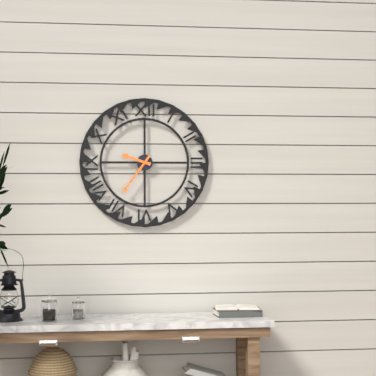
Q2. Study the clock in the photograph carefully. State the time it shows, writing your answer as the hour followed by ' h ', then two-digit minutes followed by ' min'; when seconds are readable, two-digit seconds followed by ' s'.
9 h 36 min
